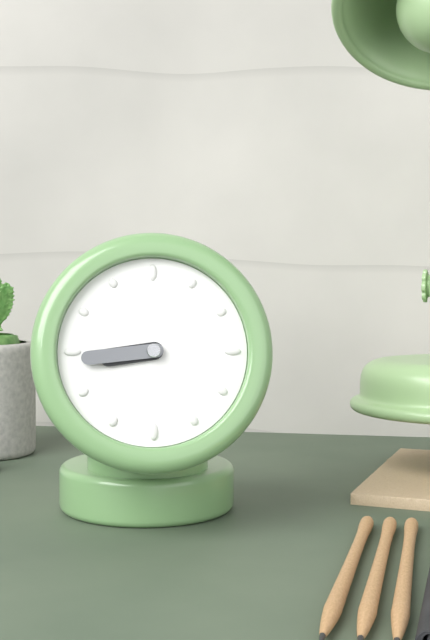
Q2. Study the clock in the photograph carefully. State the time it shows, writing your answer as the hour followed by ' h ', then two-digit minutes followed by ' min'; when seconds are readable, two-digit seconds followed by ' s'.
8 h 44 min
